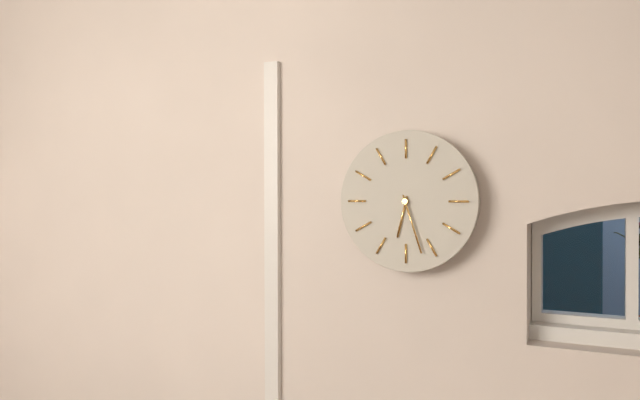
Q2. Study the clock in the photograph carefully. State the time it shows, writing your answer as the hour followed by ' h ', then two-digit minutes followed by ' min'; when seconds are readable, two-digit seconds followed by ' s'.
6 h 27 min
